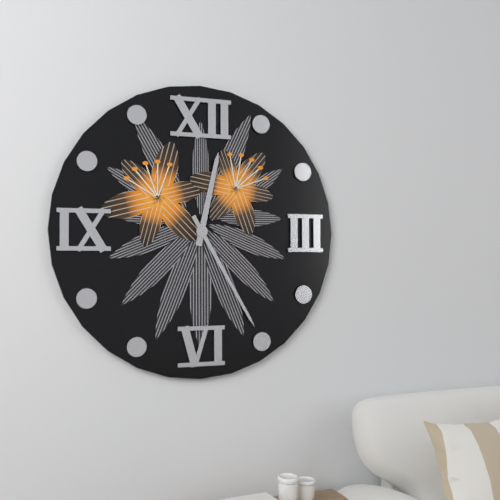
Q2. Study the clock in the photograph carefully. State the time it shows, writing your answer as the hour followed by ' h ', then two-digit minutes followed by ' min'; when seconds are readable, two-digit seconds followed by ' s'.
12 h 25 min
